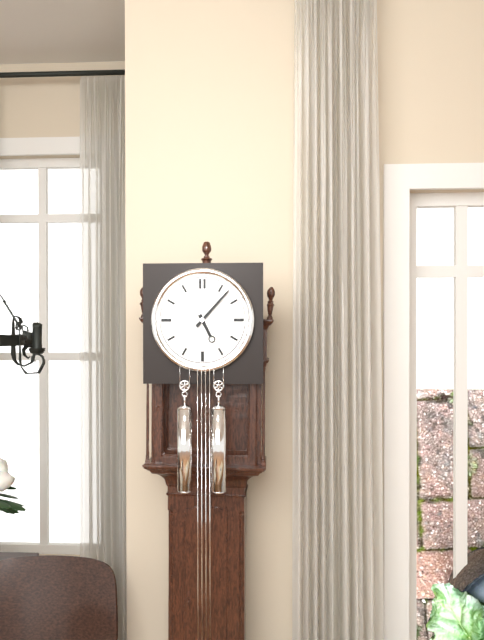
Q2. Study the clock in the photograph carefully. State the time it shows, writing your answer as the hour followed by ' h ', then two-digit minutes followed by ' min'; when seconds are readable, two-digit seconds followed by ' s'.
5 h 07 min
